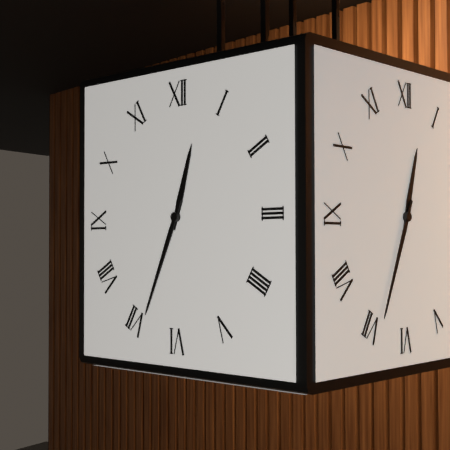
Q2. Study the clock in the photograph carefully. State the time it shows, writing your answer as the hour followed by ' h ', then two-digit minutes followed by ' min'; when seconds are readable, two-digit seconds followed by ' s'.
12 h 34 min
